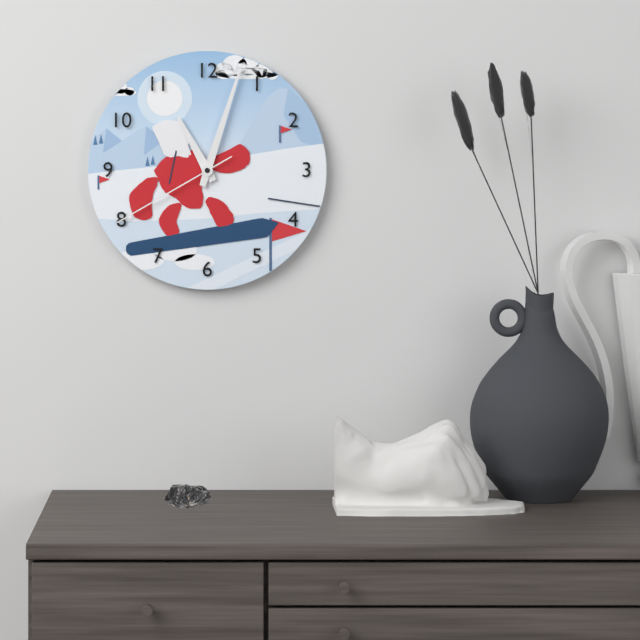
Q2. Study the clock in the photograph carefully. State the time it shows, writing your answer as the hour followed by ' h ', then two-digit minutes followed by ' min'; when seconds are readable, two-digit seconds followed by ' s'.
11 h 03 min 40 s
